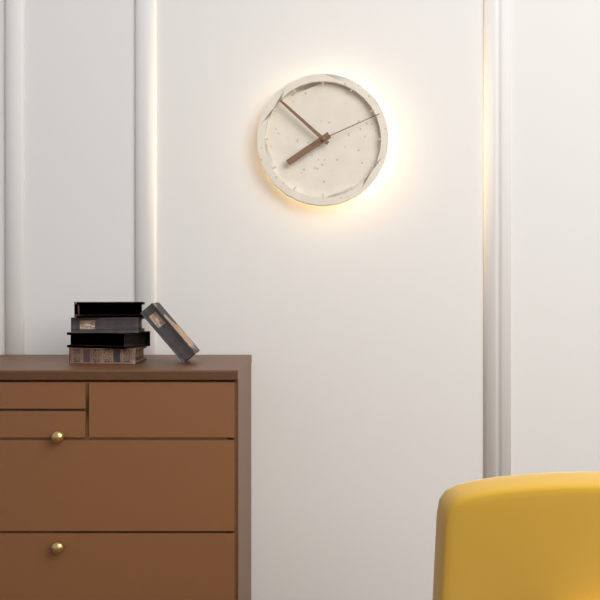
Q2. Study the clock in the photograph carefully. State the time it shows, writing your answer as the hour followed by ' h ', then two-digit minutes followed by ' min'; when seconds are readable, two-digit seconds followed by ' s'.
7 h 52 min 11 s
